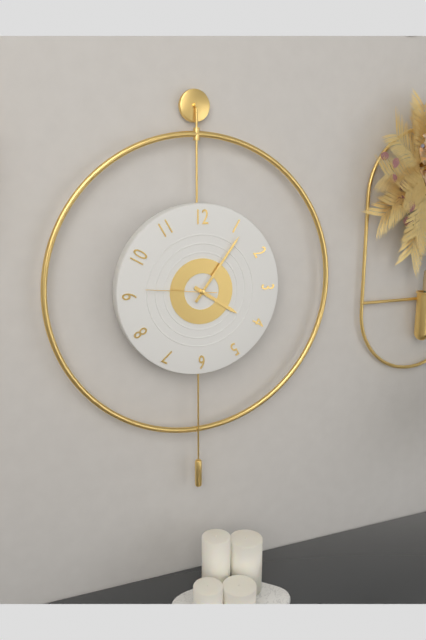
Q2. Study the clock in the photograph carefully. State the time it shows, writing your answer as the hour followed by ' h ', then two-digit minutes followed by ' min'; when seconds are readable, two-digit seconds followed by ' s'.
4 h 06 min 46 s
